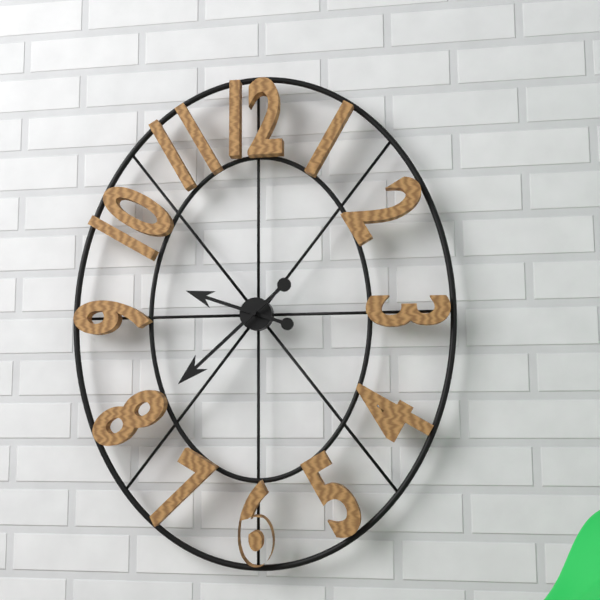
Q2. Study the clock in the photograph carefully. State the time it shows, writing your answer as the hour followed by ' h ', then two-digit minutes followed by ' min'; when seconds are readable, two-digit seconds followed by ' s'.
9 h 38 min
